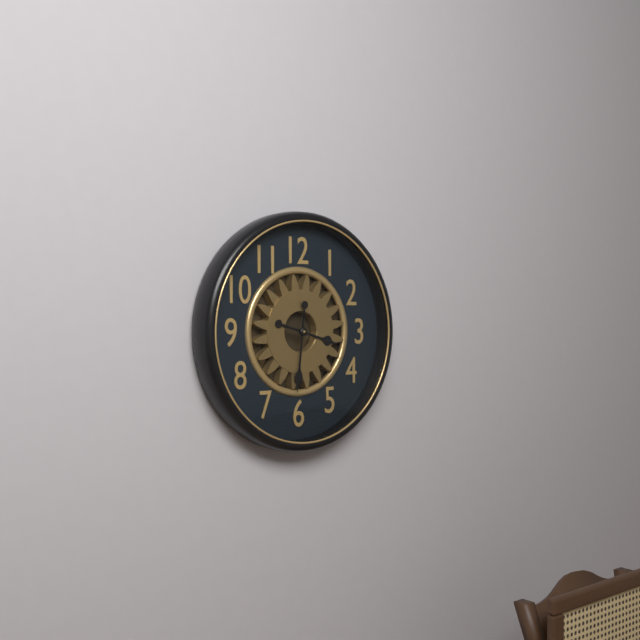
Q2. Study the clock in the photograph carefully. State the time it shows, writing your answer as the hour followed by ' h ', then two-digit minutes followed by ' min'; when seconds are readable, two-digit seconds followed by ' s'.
3 h 31 min
